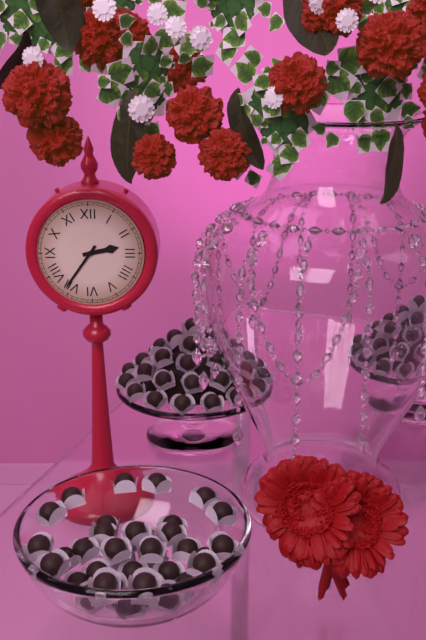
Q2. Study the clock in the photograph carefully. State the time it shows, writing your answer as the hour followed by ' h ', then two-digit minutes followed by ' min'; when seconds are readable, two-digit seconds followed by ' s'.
2 h 36 min
